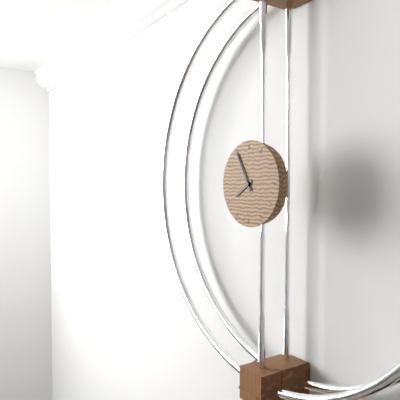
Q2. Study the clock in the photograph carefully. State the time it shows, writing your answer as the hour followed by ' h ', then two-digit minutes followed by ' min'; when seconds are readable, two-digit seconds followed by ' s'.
7 h 55 min
